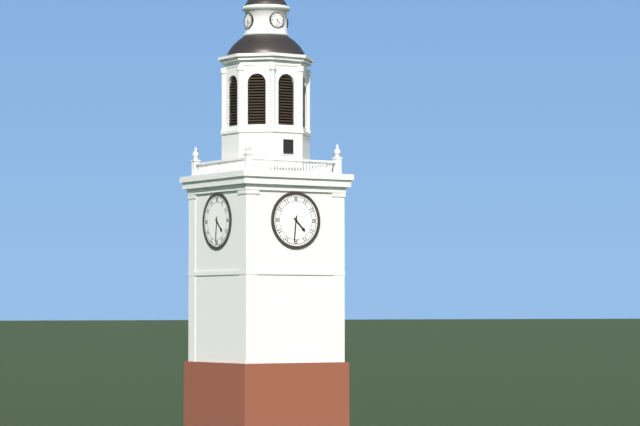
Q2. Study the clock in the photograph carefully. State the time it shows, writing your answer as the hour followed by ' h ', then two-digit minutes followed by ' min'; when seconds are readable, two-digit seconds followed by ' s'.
4 h 31 min
